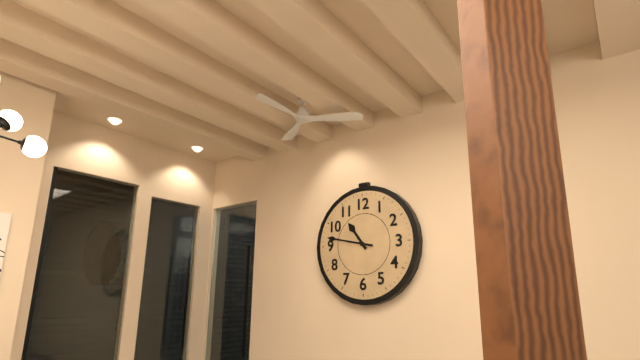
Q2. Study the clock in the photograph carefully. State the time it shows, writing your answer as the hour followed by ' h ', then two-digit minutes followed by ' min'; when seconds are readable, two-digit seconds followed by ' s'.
10 h 47 min
